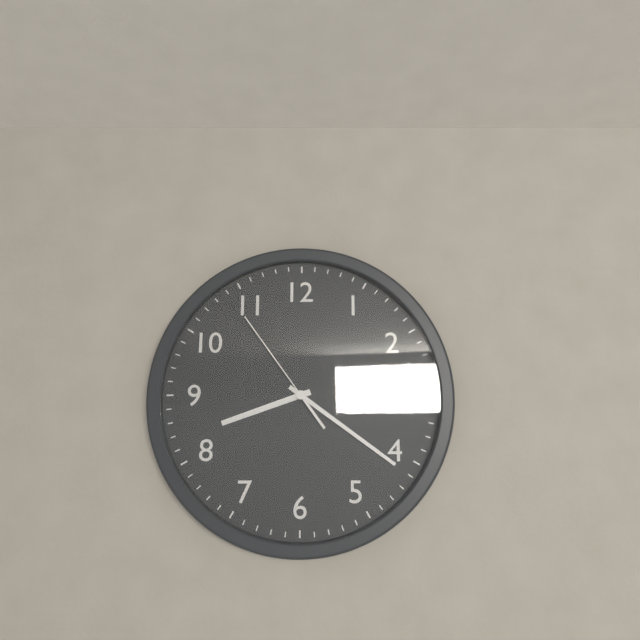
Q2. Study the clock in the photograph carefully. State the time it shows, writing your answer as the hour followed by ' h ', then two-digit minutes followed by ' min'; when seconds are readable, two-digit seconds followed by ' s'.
8 h 21 min 54 s
